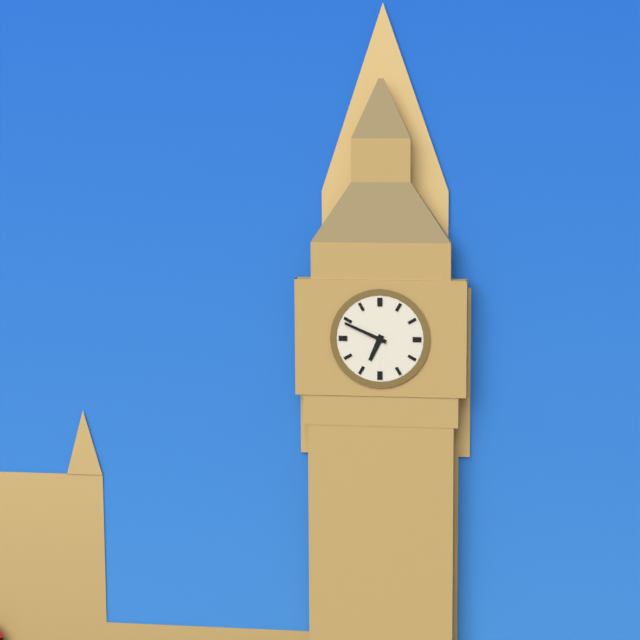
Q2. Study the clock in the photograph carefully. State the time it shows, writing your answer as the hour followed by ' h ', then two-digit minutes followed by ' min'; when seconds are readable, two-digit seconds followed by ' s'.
6 h 49 min
